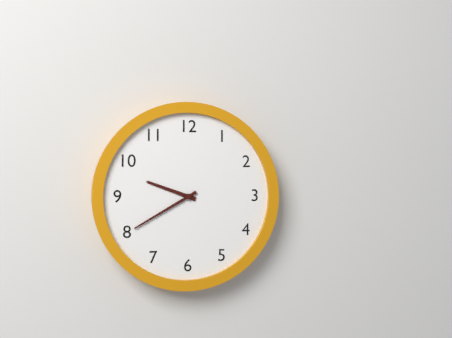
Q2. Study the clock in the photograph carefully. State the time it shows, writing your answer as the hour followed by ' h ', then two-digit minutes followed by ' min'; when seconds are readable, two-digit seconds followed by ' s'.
9 h 40 min
